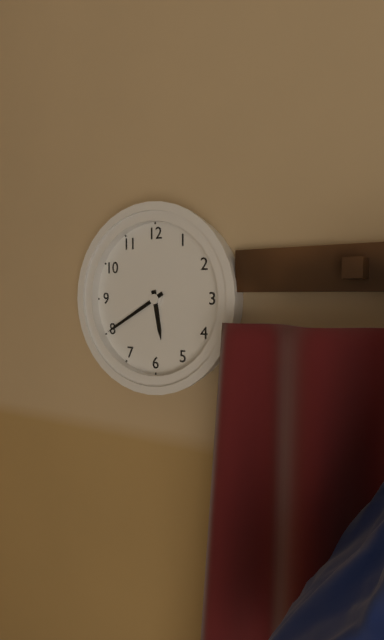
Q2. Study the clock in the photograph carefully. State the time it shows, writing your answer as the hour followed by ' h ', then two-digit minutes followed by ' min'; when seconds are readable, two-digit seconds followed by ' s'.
5 h 40 min
